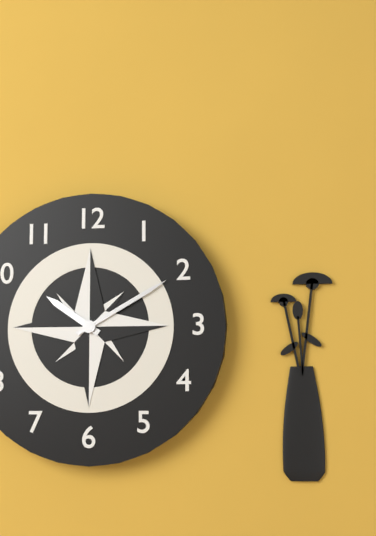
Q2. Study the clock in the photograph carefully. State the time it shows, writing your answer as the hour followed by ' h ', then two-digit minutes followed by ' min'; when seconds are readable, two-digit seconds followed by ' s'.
10 h 10 min
